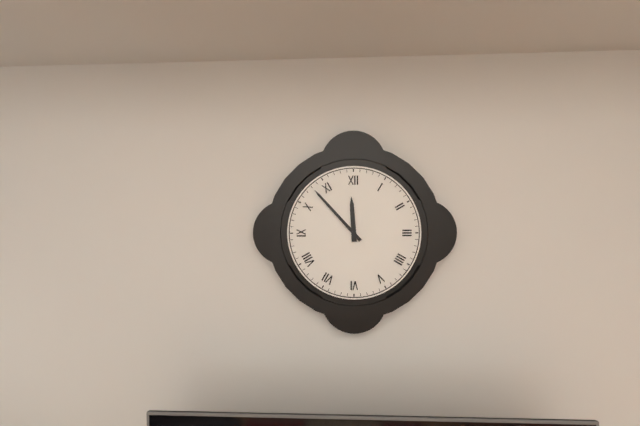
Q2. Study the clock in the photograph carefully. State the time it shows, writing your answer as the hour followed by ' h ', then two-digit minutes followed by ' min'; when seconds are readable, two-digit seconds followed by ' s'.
11 h 53 min
